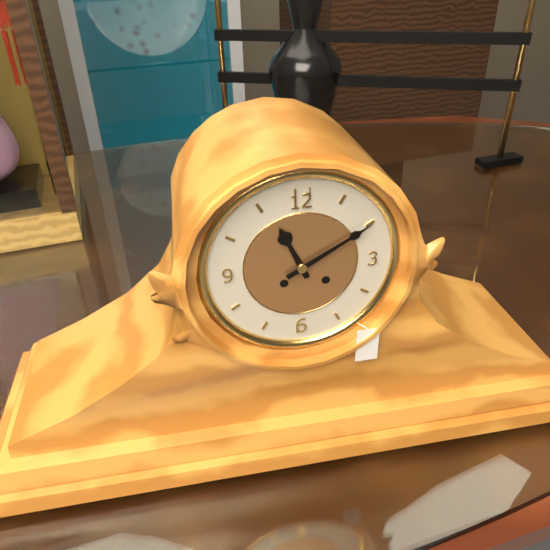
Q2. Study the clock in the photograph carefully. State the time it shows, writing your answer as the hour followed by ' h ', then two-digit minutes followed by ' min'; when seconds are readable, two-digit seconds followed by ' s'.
11 h 10 min
